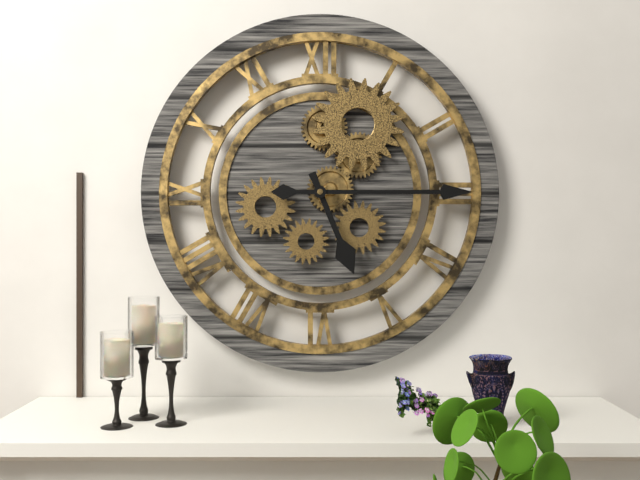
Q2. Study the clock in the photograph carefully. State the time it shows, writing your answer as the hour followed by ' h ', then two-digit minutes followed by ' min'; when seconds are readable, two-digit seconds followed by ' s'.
5 h 15 min
